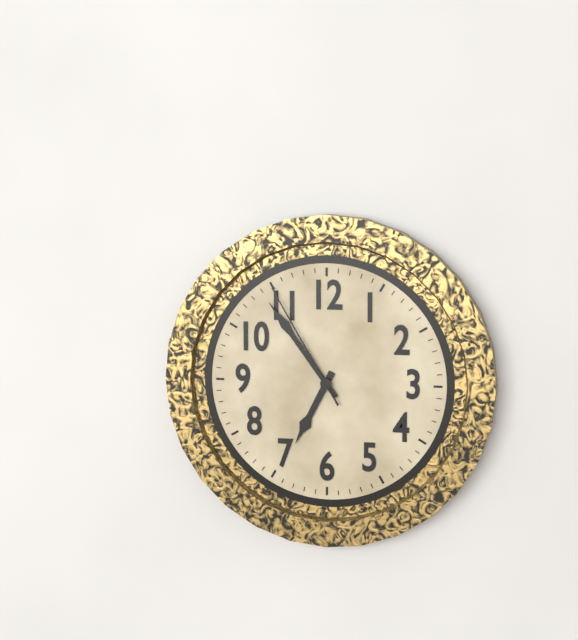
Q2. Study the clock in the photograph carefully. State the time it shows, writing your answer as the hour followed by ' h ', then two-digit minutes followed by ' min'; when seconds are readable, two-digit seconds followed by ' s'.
6 h 54 min 55 s
